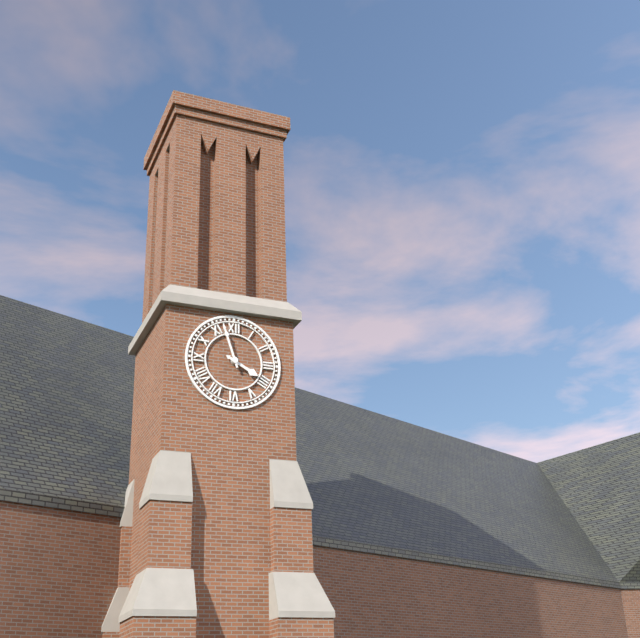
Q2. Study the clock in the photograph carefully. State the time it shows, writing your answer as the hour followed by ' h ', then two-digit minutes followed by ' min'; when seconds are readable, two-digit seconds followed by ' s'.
3 h 57 min
